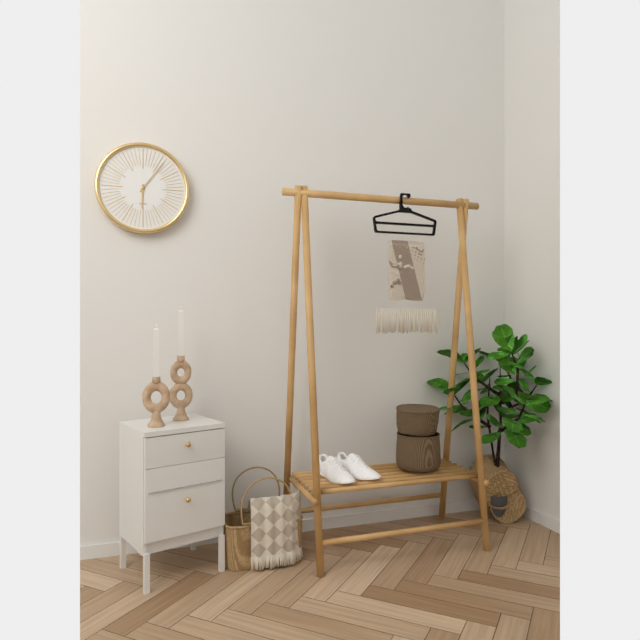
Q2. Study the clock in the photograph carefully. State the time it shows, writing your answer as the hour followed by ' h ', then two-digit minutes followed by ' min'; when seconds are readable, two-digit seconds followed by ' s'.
6 h 06 min
